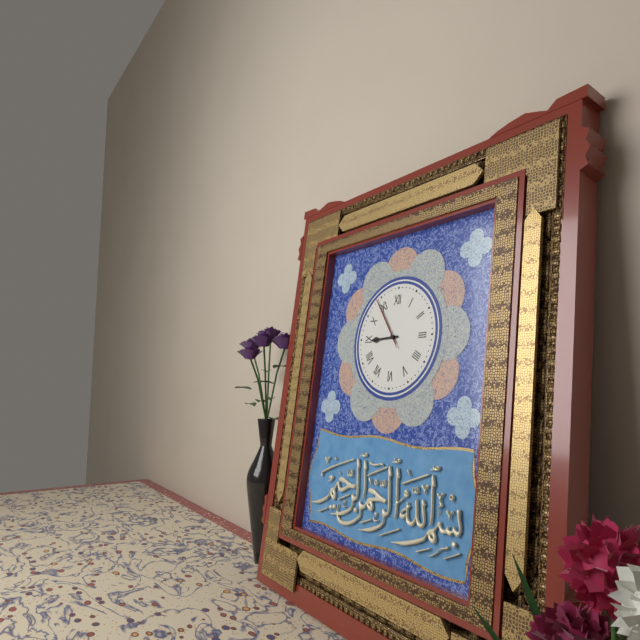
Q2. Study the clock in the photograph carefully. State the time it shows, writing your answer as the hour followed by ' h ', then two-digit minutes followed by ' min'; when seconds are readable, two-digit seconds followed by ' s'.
8 h 54 min 54 s
